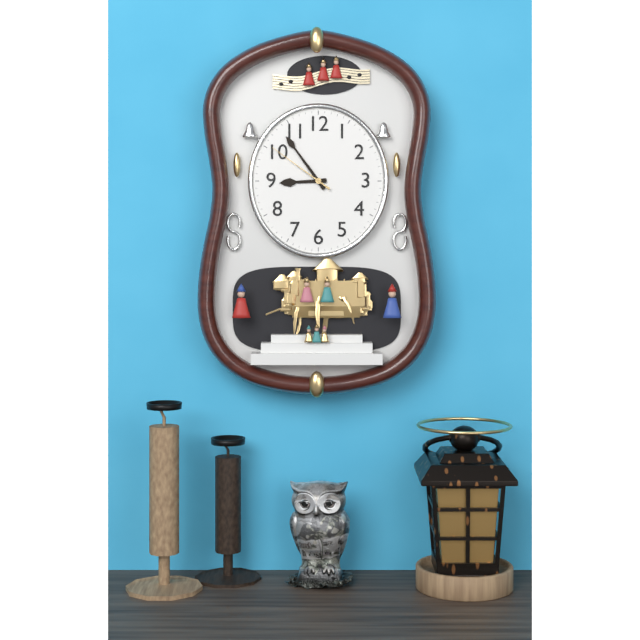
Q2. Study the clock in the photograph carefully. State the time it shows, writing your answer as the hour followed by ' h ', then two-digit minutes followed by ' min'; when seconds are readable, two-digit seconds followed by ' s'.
8 h 54 min 51 s
